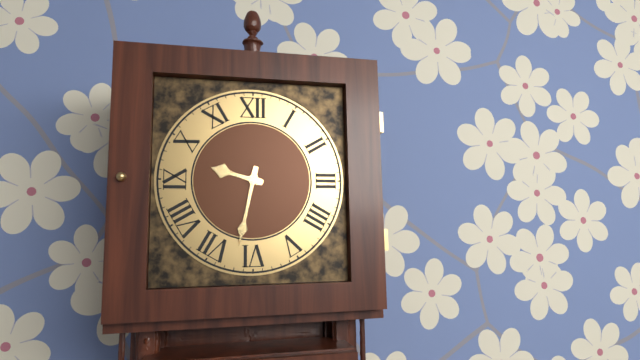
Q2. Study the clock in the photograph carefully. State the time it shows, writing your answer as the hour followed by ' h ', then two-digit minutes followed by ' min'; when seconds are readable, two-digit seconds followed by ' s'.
9 h 32 min
